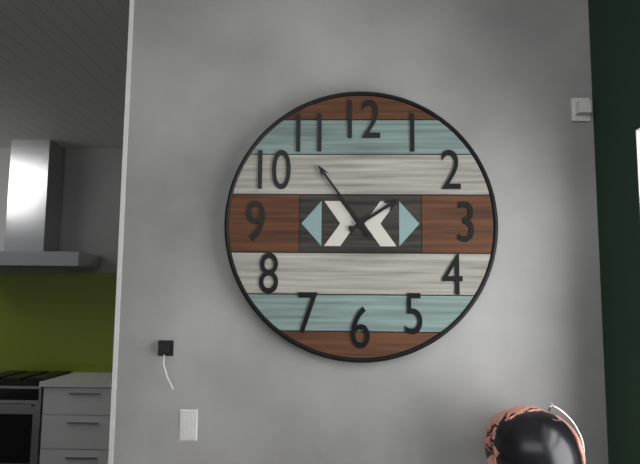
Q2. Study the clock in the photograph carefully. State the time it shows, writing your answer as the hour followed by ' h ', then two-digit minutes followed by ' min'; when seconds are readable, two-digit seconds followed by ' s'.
1 h 54 min
